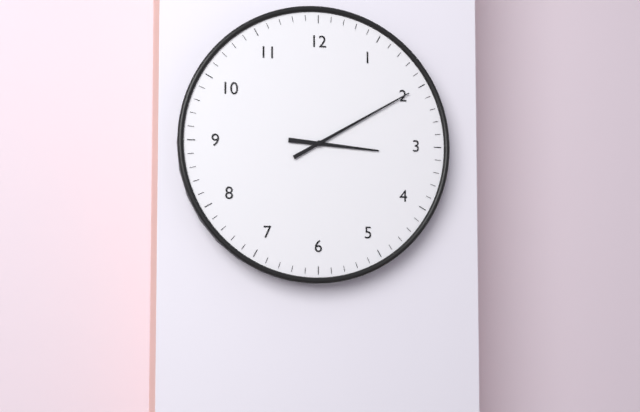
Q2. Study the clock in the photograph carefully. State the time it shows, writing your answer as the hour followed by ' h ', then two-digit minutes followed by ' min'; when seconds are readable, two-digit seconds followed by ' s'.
3 h 10 min
